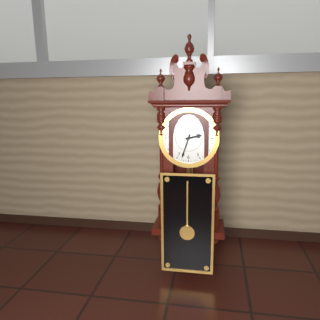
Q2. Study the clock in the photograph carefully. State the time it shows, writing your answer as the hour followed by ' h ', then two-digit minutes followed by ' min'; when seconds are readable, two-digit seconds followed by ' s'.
2 h 33 min
